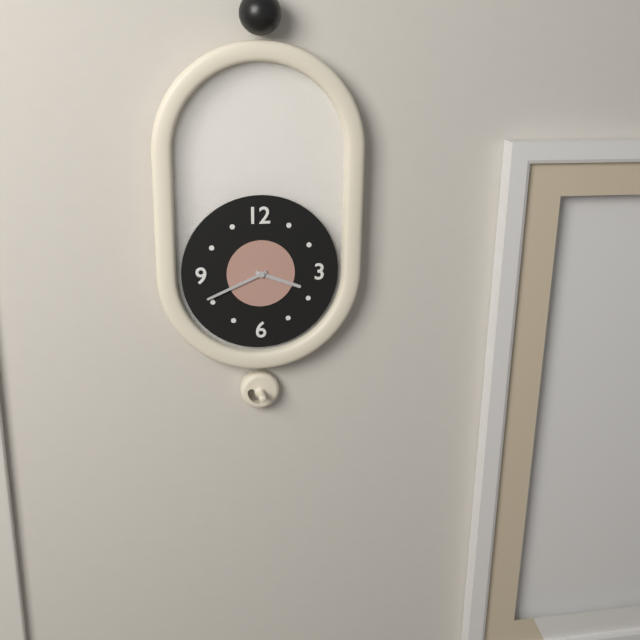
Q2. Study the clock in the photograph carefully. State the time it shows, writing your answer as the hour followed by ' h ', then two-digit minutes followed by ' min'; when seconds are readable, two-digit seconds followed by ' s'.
3 h 41 min
